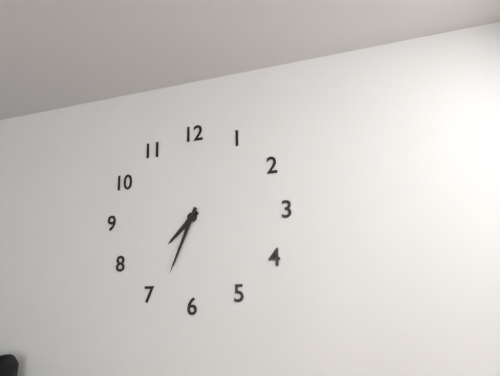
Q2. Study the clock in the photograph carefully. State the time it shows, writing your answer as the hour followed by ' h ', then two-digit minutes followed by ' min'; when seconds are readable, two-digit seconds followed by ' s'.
7 h 34 min
